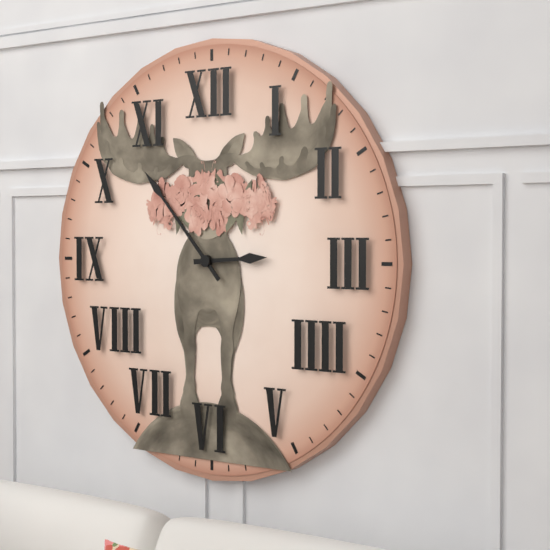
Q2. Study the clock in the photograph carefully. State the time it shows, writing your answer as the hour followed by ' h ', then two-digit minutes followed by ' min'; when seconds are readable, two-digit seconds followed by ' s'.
2 h 53 min
